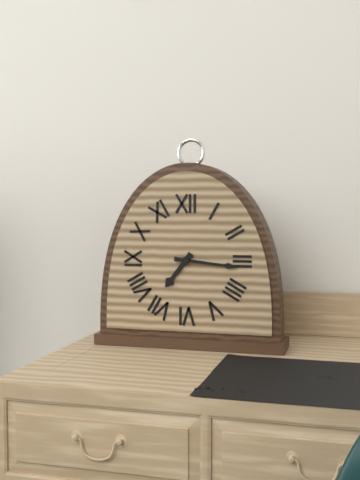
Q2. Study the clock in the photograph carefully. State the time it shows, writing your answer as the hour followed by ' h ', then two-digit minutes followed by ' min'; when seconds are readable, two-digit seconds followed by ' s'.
7 h 16 min
